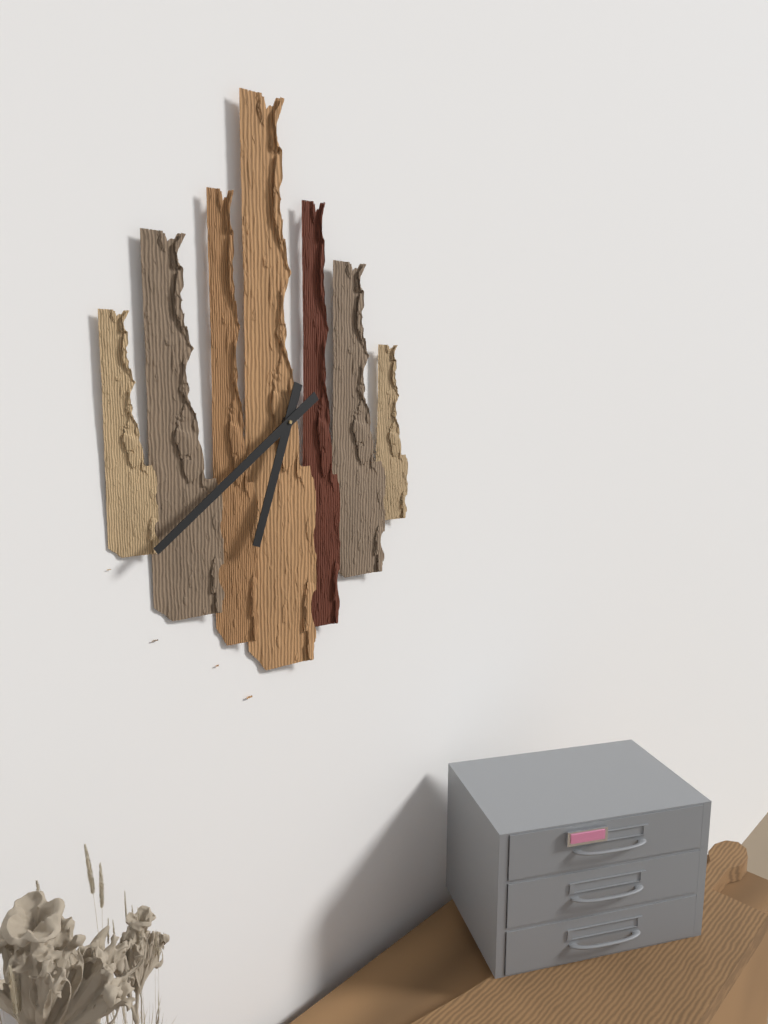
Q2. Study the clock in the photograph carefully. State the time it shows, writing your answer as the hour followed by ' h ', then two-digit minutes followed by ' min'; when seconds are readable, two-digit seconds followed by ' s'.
6 h 39 min
